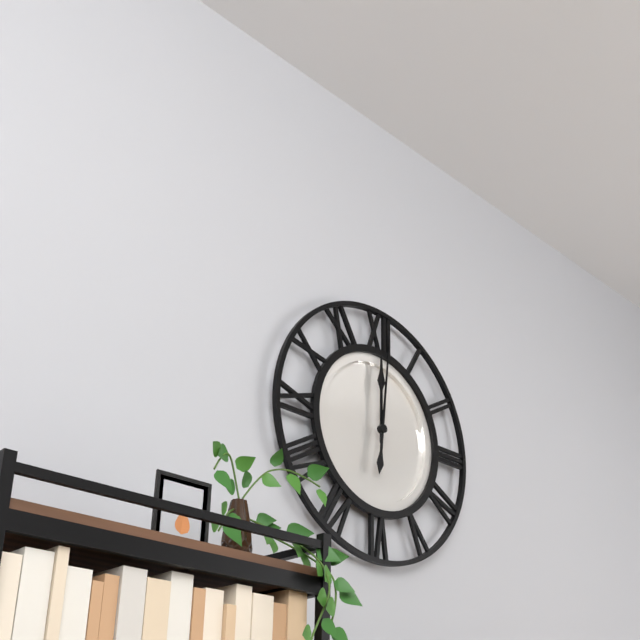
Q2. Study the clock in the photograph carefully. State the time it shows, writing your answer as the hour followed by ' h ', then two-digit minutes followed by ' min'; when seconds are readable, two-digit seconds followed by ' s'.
12 h 01 min
